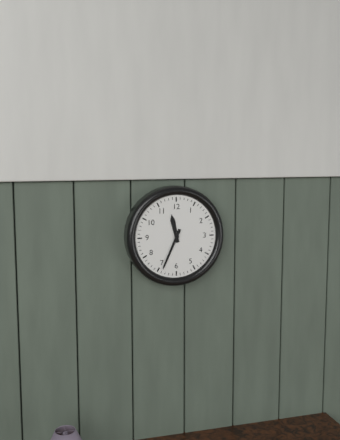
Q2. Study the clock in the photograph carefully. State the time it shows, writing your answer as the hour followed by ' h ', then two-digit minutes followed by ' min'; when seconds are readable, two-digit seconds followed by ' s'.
11 h 34 min
